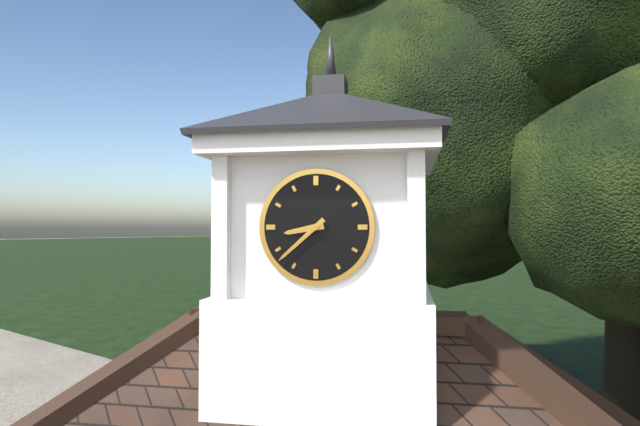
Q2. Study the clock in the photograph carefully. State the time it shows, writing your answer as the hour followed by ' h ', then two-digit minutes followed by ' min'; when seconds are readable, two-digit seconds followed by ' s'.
8 h 38 min
